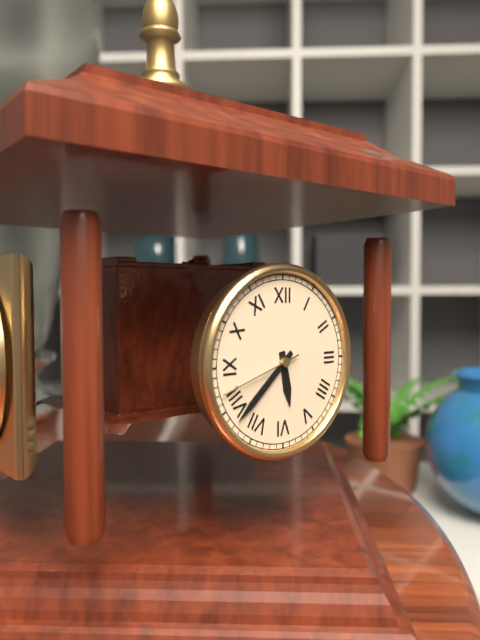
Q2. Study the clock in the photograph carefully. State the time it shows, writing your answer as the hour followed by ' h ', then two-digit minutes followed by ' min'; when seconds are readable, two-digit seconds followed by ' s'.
5 h 38 min 42 s
